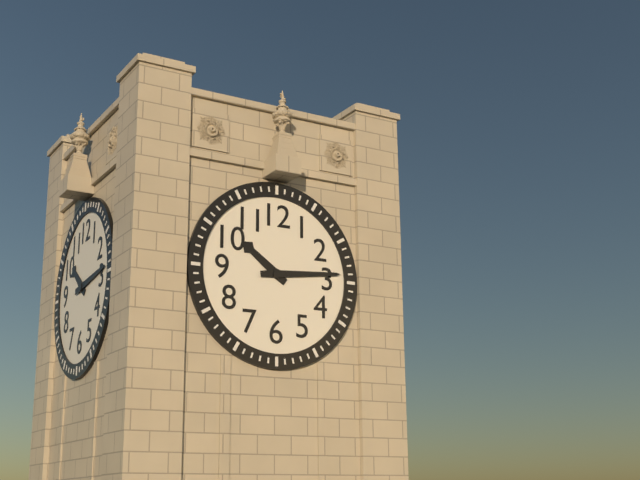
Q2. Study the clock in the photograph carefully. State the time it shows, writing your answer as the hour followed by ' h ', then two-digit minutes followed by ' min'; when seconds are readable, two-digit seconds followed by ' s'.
10 h 14 min
